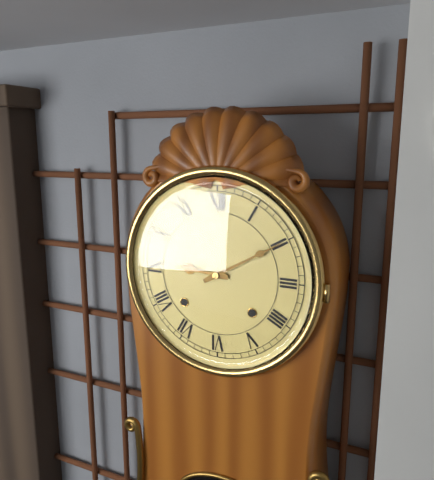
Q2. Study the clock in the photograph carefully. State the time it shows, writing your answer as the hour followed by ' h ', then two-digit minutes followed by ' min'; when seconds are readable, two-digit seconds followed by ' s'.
9 h 10 min
